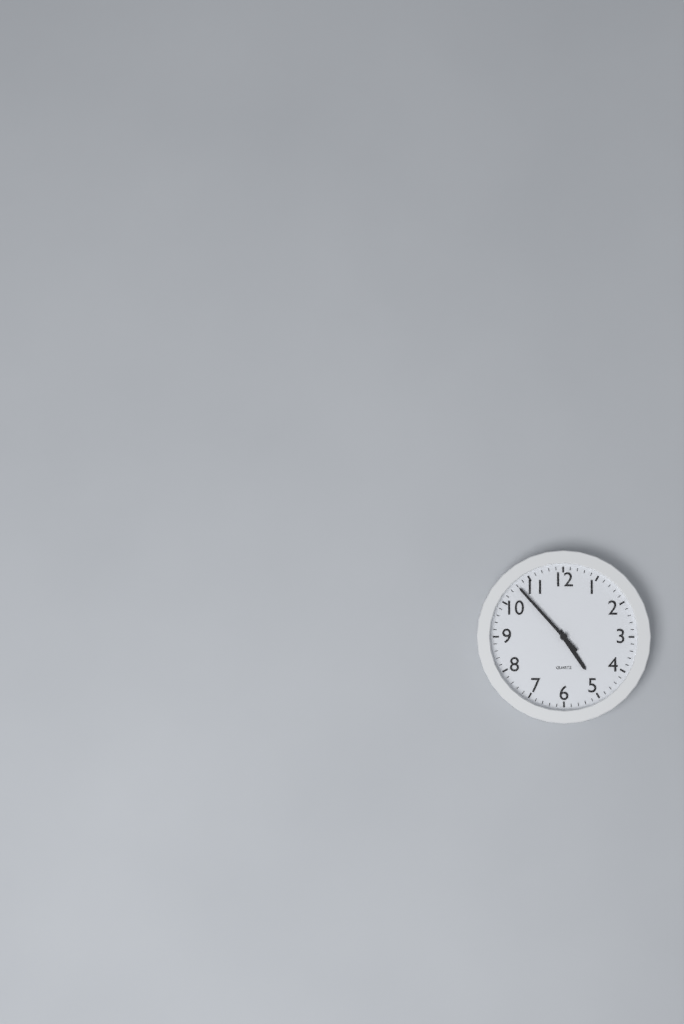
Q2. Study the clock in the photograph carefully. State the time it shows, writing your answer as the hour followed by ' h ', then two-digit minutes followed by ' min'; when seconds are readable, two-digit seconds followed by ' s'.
4 h 53 min
